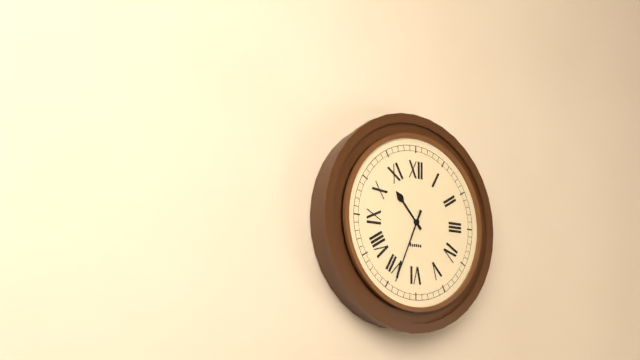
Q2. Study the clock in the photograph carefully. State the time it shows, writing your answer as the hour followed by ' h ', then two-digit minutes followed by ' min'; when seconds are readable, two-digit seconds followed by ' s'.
10 h 34 min
